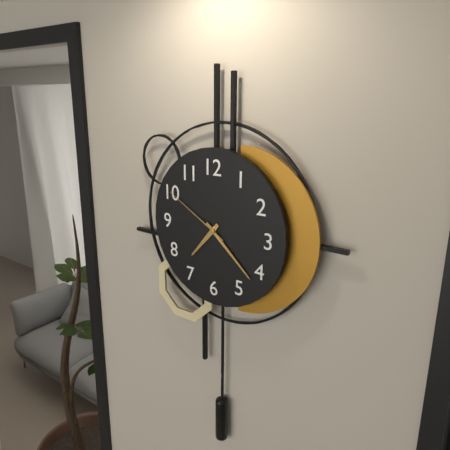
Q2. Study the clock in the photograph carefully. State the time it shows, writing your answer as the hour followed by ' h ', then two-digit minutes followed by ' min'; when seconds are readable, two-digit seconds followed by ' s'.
7 h 22 min 50 s
